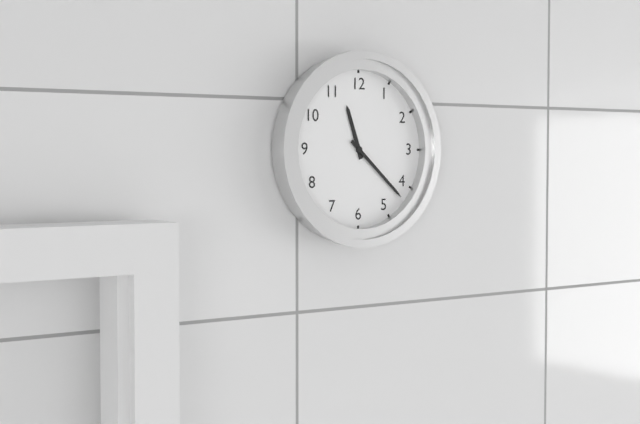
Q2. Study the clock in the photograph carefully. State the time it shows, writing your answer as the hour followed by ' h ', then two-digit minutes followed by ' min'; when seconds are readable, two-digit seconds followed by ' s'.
11 h 22 min
